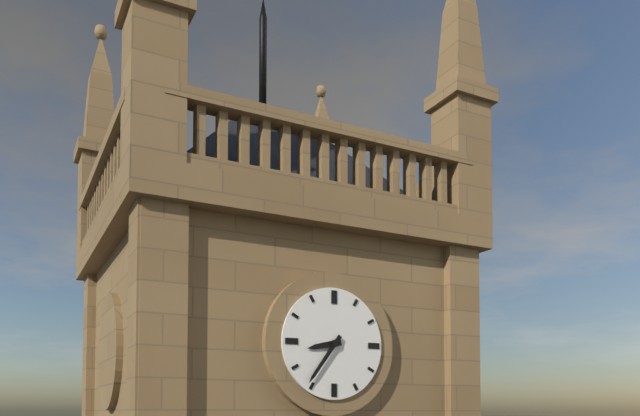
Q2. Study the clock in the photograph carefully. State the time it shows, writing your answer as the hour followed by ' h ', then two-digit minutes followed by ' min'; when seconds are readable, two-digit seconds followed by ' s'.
8 h 36 min
